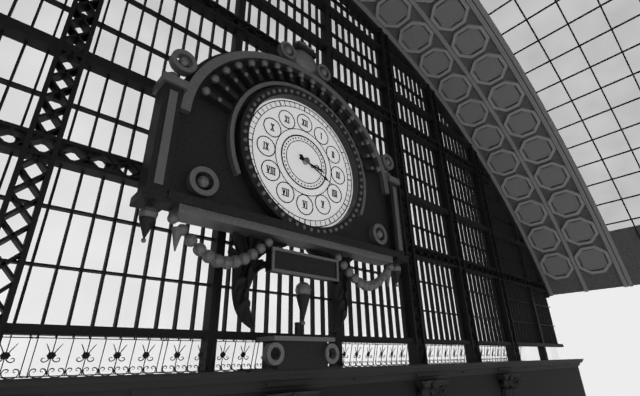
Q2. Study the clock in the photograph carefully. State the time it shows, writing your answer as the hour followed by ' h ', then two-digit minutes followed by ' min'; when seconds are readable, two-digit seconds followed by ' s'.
3 h 19 min
